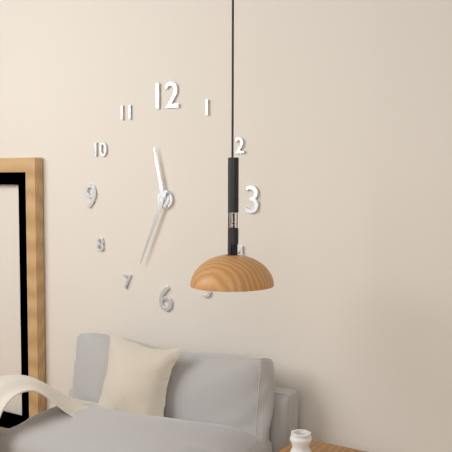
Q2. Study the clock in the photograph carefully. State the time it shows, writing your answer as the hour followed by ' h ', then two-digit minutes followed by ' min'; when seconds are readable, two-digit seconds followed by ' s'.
11 h 34 min
